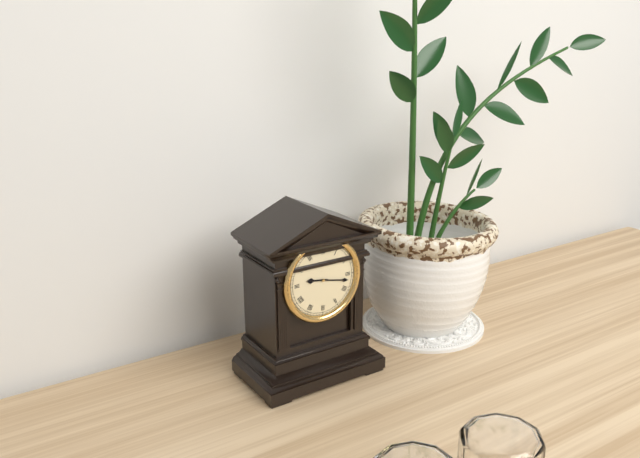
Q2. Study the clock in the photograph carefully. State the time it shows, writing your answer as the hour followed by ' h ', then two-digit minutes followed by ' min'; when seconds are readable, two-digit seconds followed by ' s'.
9 h 17 min
